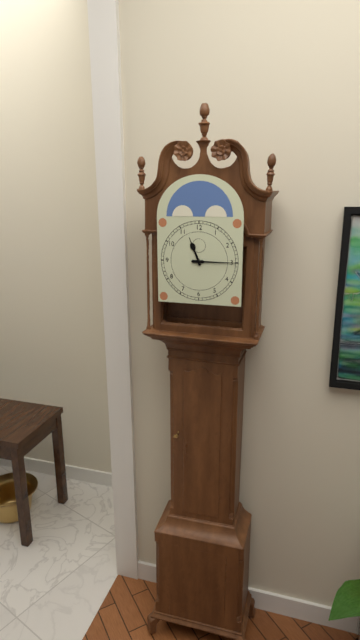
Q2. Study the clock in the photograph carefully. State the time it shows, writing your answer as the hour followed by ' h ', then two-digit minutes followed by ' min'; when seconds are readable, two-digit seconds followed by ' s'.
11 h 15 min
